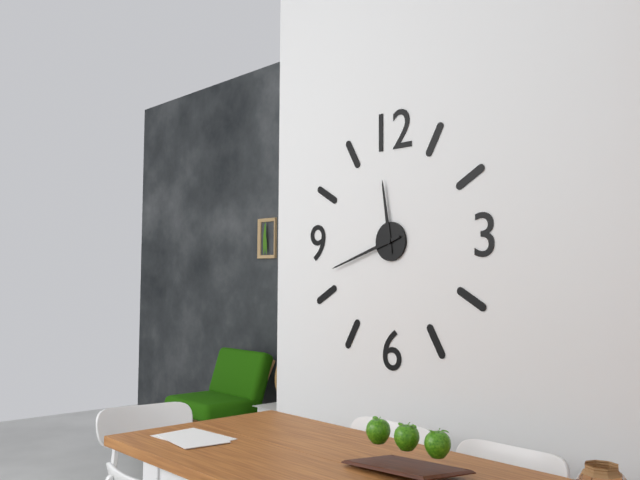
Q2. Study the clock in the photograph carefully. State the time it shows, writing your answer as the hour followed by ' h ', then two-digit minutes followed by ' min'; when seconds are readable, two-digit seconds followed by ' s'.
11 h 42 min
